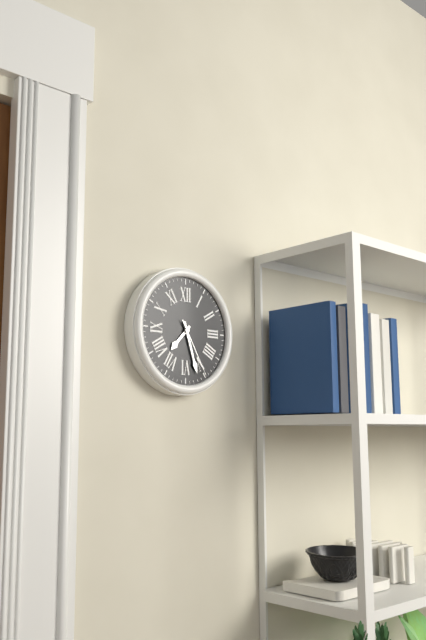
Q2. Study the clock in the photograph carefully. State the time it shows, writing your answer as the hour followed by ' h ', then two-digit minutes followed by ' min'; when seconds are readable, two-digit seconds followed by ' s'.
7 h 27 min 25 s
